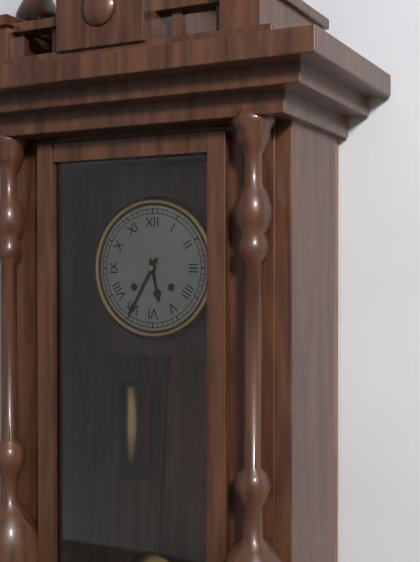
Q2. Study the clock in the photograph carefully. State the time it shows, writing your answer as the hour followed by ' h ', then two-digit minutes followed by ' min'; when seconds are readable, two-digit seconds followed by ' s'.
5 h 35 min
